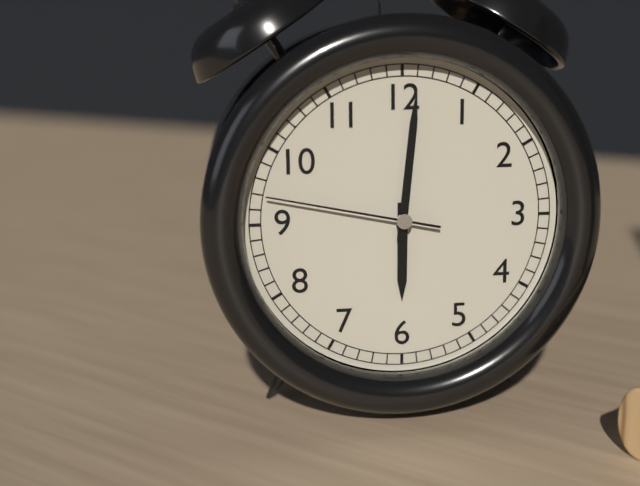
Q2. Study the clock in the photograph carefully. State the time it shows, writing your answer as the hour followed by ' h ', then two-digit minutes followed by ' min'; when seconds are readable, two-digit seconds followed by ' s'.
6 h 01 min 47 s
